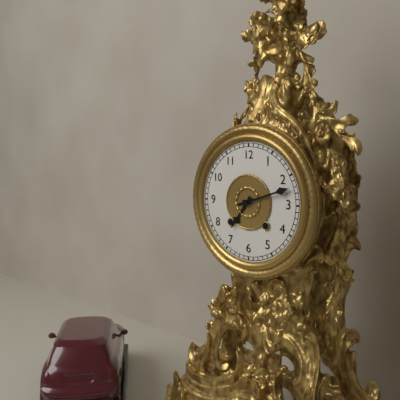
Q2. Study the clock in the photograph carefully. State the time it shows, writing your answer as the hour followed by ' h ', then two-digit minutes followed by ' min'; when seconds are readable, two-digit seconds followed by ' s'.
7 h 12 min
